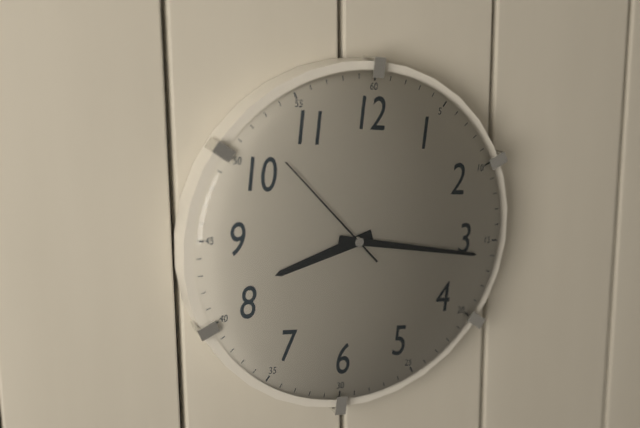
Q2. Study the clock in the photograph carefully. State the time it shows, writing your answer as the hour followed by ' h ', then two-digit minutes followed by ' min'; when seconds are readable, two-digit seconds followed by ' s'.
8 h 16 min 52 s
